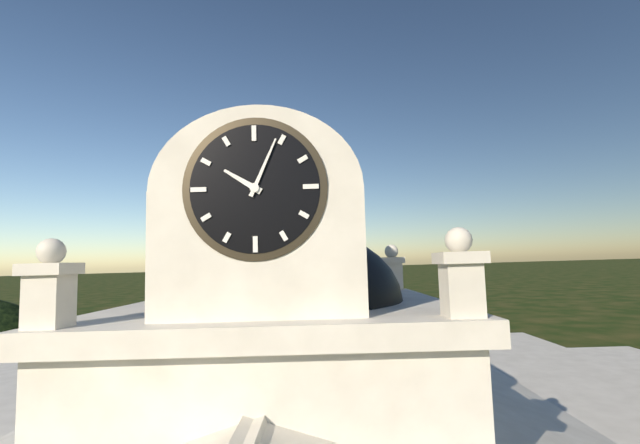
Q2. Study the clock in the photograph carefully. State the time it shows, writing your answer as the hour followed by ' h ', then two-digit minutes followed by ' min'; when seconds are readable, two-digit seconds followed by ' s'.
10 h 04 min
